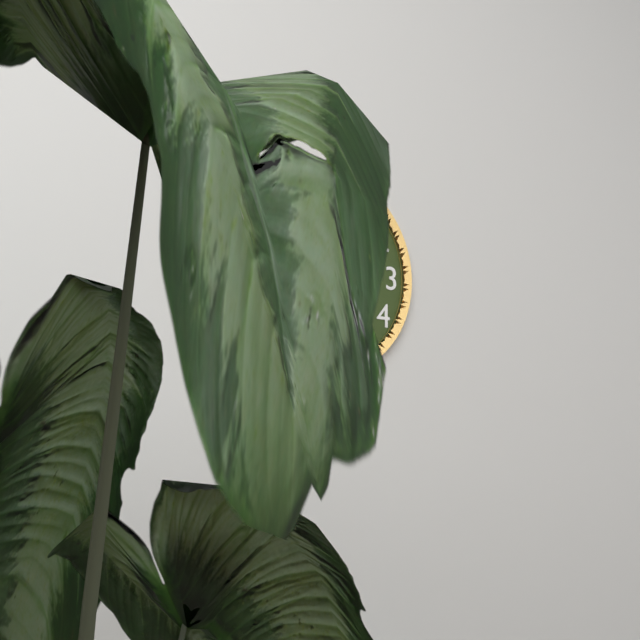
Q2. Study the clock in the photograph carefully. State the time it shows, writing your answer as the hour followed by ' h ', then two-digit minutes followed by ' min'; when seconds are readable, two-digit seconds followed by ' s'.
7 h 57 min 56 s
